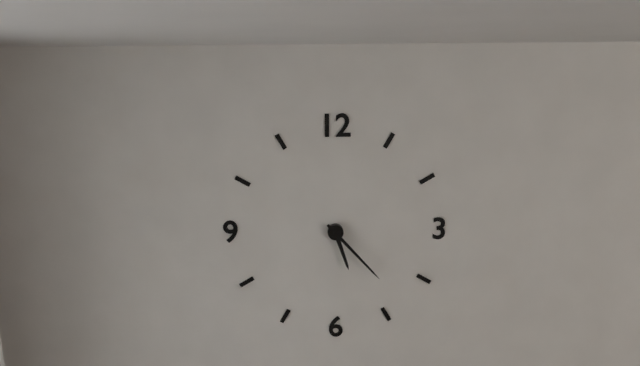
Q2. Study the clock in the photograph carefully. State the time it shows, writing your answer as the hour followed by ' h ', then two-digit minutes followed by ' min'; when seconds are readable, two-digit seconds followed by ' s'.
5 h 23 min
